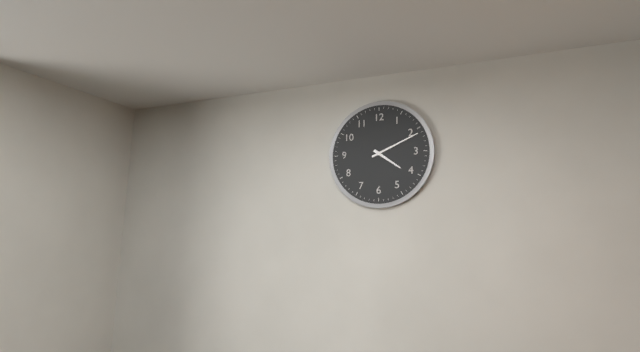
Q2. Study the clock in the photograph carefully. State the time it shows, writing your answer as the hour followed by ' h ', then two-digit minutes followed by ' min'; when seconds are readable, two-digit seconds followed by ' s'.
4 h 11 min
